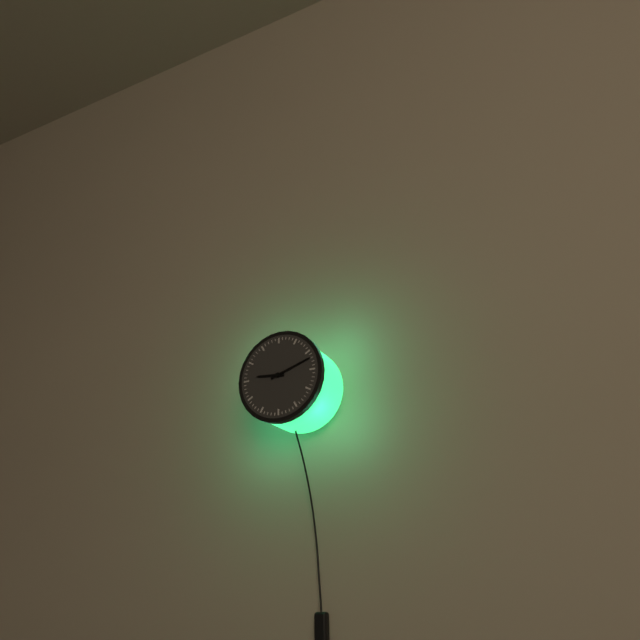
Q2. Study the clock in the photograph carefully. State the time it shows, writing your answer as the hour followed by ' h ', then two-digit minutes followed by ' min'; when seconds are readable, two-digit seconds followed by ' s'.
9 h 12 min
